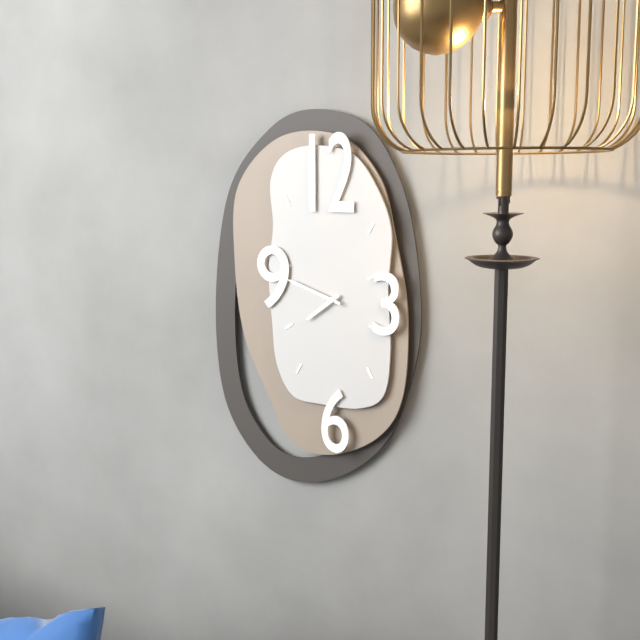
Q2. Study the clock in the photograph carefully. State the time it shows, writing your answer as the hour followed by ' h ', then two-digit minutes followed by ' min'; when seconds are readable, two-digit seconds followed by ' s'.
7 h 48 min
